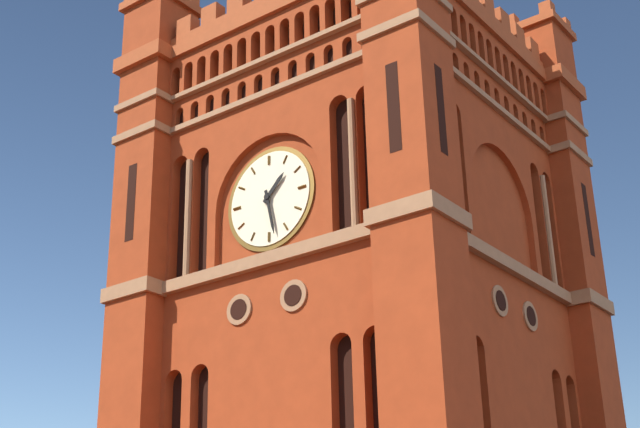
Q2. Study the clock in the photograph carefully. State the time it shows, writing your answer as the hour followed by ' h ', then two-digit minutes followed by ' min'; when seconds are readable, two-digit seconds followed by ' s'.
1 h 28 min
